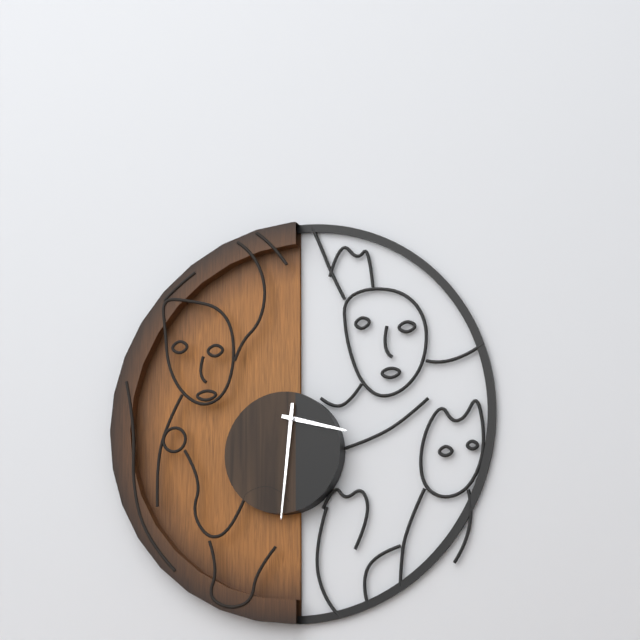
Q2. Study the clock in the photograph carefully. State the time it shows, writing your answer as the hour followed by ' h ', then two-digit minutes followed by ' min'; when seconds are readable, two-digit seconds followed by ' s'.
3 h 31 min
